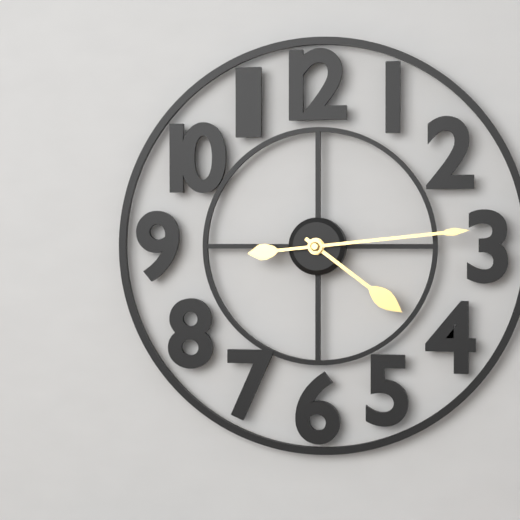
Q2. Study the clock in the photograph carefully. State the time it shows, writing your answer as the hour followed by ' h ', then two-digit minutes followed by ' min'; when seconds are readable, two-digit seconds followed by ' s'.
4 h 14 min
